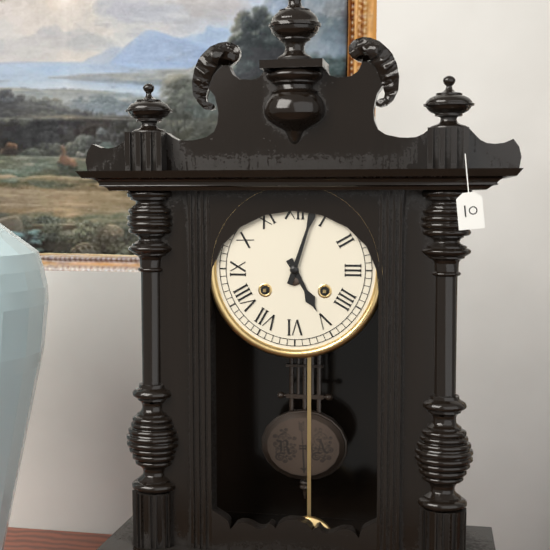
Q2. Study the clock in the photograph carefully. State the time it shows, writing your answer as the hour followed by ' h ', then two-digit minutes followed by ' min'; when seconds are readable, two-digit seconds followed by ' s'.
5 h 03 min
